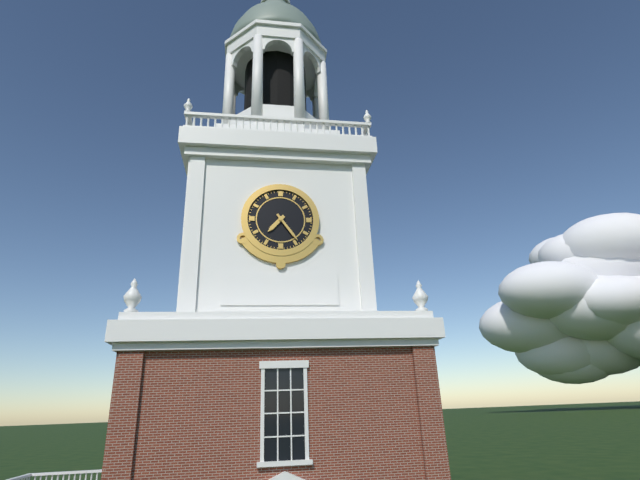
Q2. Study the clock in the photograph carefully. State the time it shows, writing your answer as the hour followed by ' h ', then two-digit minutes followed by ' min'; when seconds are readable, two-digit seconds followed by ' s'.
7 h 24 min
